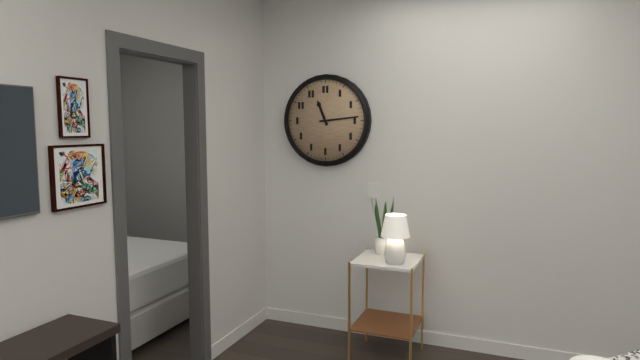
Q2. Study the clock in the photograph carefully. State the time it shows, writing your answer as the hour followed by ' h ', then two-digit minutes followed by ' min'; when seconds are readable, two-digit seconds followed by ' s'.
11 h 14 min
